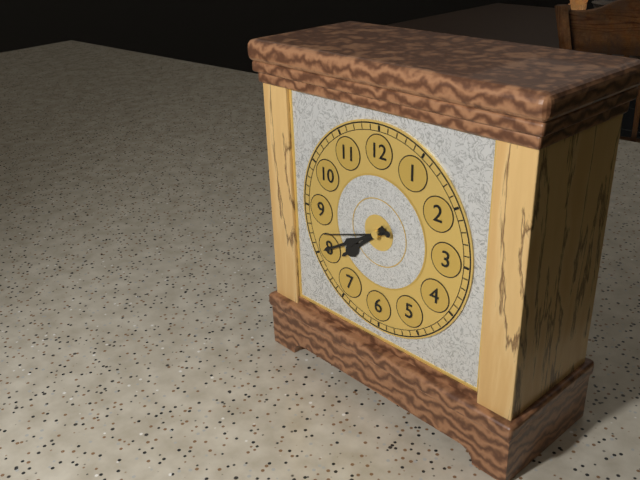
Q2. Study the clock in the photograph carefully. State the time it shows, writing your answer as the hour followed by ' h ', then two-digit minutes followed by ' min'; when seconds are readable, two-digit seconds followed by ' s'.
7 h 40 min 42 s
